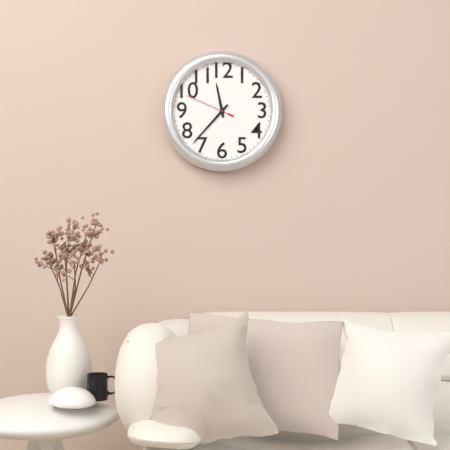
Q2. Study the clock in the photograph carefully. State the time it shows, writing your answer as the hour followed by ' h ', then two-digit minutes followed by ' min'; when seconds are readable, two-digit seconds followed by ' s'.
11 h 37 min 49 s
